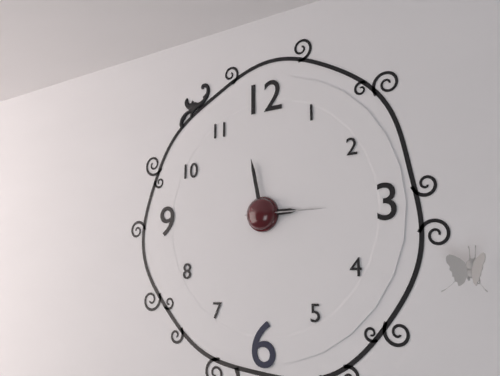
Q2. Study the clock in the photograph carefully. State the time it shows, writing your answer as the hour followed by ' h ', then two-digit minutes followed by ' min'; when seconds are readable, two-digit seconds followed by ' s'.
2 h 58 min 15 s
